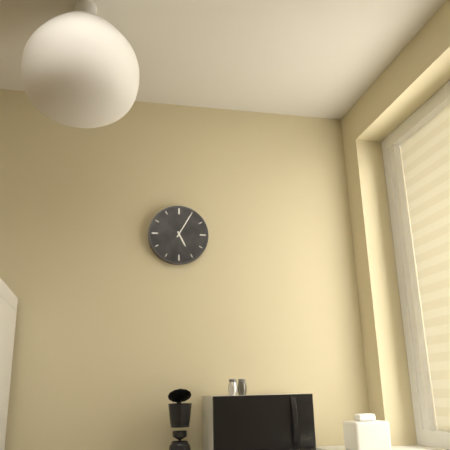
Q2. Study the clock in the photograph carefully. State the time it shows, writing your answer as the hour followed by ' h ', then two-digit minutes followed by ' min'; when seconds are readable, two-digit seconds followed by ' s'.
5 h 05 min
